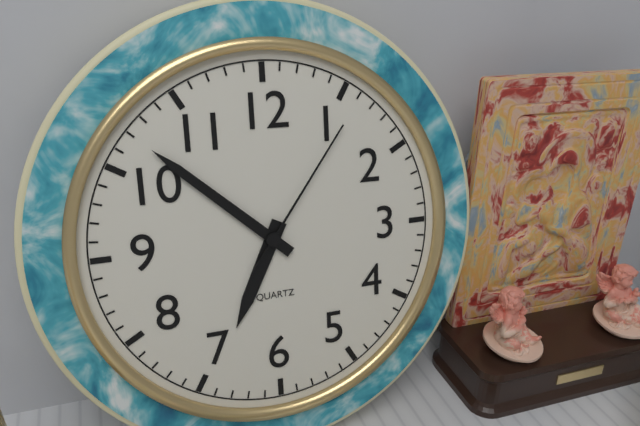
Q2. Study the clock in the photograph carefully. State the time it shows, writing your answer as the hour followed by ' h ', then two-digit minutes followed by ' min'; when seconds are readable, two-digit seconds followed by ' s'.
6 h 52 min 06 s
